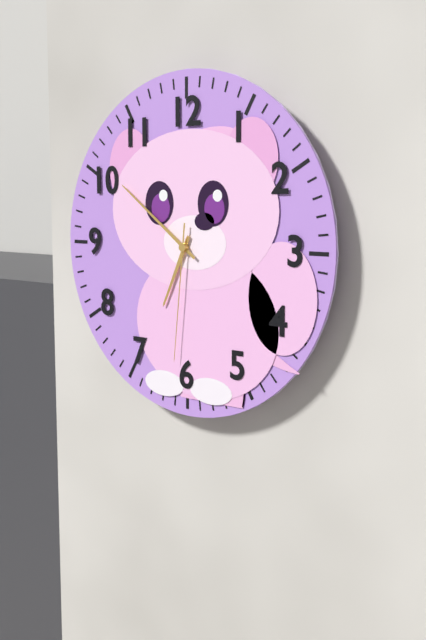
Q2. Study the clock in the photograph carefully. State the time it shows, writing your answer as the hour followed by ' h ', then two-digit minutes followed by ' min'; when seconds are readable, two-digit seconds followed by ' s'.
6 h 51 min 31 s
